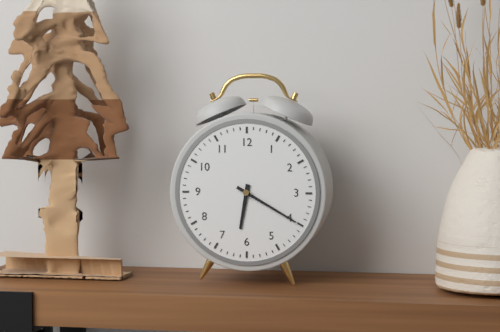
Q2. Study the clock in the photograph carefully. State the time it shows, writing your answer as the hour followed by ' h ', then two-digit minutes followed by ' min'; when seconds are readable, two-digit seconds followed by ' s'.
6 h 20 min
